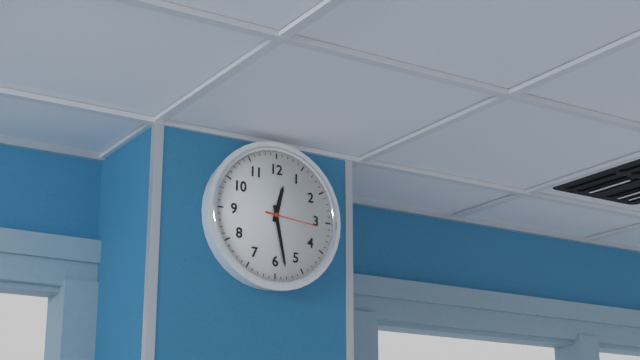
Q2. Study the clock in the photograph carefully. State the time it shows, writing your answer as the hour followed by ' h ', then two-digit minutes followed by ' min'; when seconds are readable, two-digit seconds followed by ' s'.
12 h 28 min 16 s
